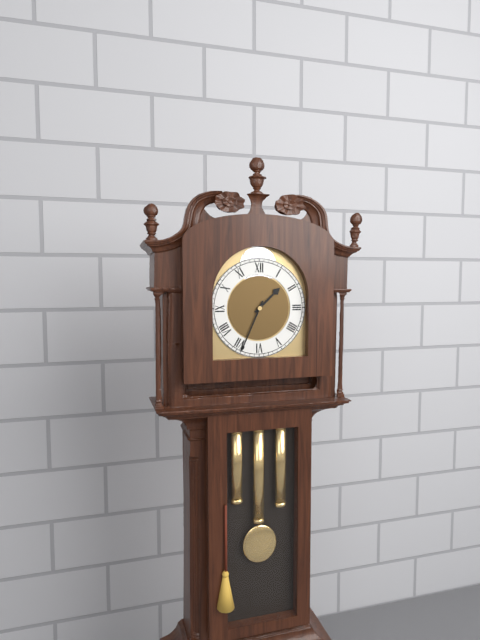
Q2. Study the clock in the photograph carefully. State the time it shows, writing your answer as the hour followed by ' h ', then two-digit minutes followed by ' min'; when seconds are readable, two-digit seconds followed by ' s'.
1 h 34 min
